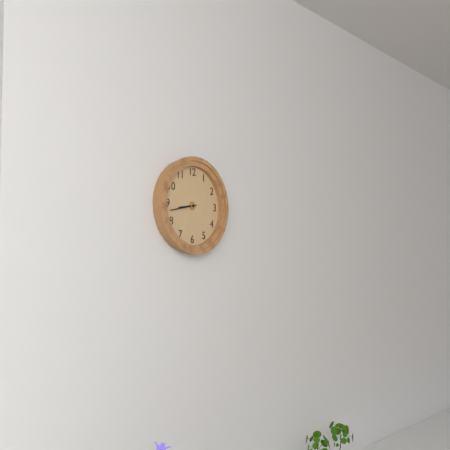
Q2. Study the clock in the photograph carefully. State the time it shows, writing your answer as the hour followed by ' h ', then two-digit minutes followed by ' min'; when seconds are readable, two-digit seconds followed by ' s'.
8 h 43 min
